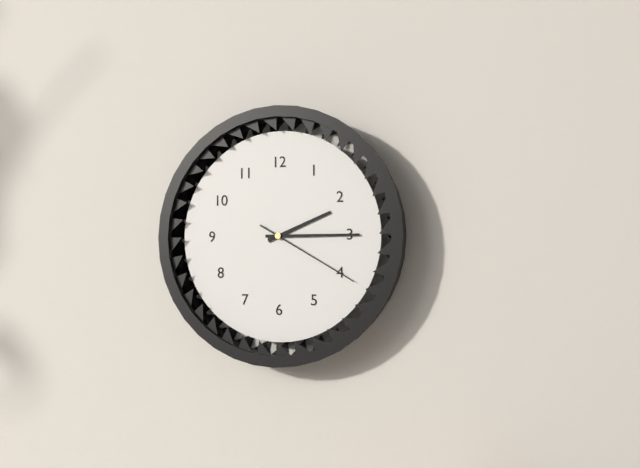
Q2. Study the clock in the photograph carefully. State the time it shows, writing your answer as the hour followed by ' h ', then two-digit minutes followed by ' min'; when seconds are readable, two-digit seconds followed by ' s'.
2 h 15 min 20 s
